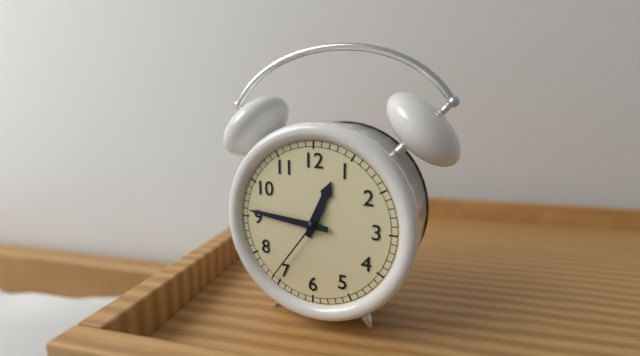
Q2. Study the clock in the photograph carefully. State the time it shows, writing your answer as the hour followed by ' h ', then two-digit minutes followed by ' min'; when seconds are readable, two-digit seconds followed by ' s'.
12 h 46 min 36 s
